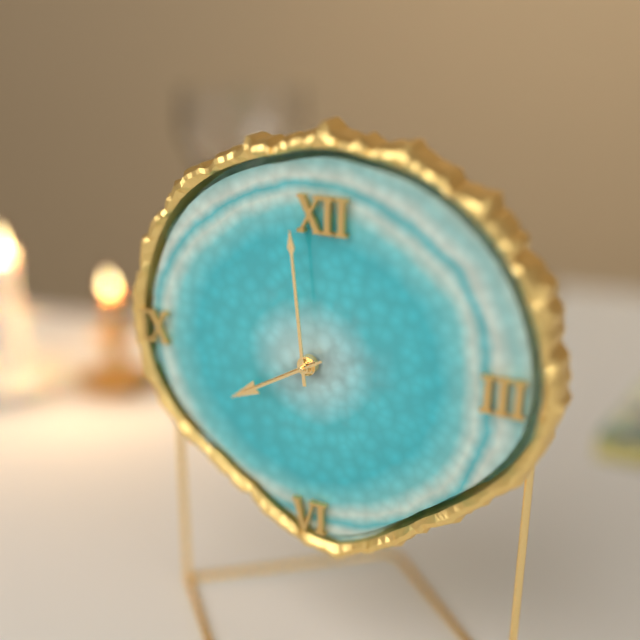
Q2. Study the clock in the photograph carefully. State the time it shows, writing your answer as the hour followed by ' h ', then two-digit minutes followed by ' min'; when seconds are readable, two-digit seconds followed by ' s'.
7 h 59 min 40 s
